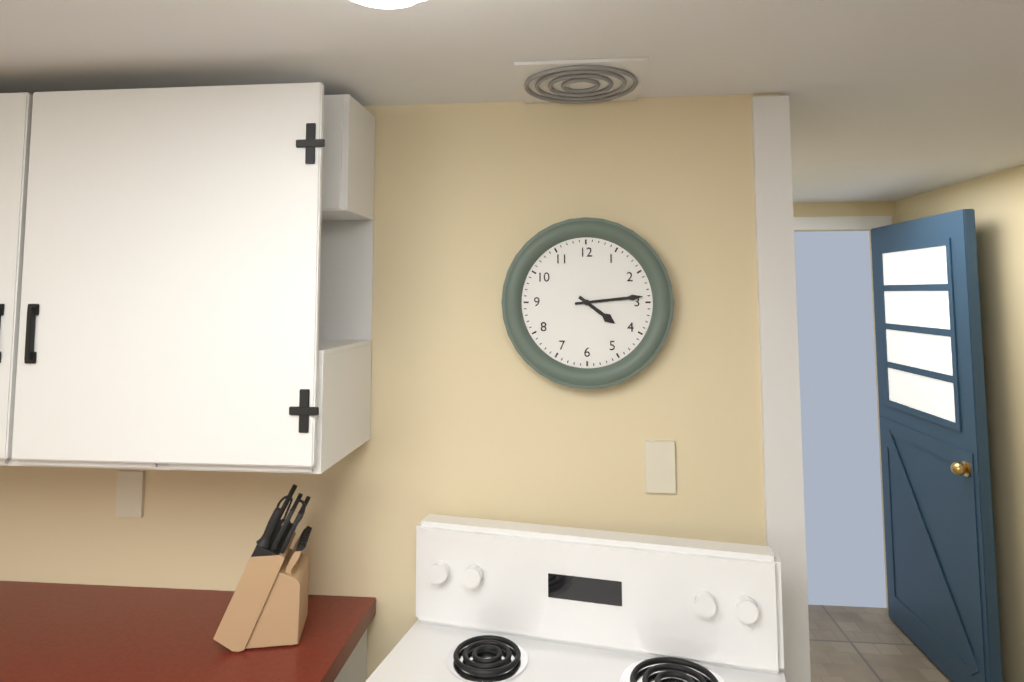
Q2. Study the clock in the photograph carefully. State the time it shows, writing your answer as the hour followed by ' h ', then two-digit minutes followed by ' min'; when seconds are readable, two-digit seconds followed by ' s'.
4 h 14 min
